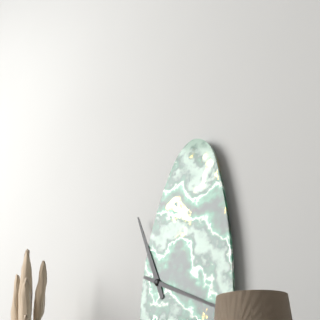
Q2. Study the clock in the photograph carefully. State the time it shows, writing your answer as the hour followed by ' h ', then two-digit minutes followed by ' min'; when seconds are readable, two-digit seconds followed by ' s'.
11 h 19 min
